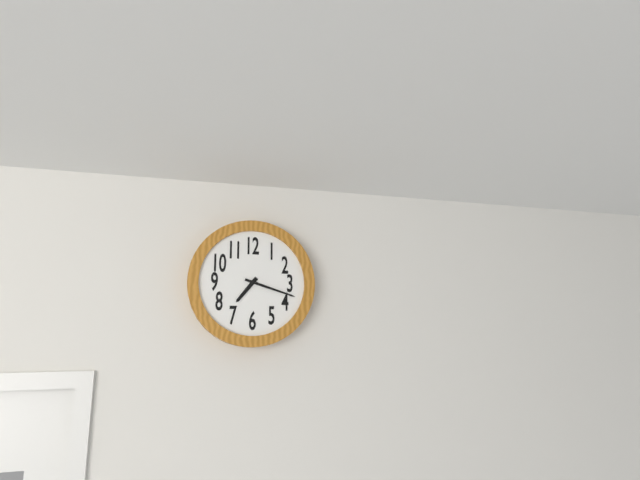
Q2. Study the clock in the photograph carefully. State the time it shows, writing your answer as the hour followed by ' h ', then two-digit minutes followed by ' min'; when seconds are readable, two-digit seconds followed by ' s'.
7 h 18 min
